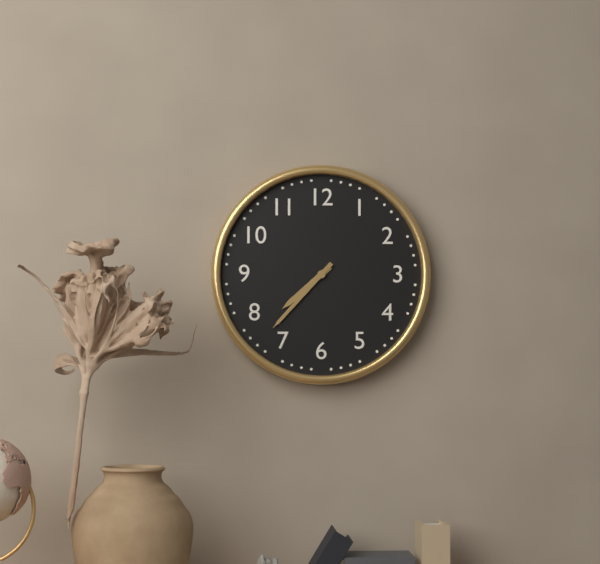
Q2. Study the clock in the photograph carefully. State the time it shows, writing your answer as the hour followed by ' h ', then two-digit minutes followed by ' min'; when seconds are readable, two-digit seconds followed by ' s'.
7 h 37 min
